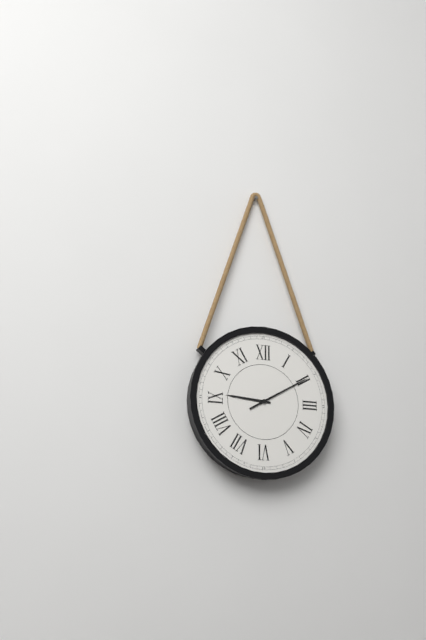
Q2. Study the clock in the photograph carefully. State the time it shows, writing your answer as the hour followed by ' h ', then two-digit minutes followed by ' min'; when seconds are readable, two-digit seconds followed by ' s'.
9 h 10 min
